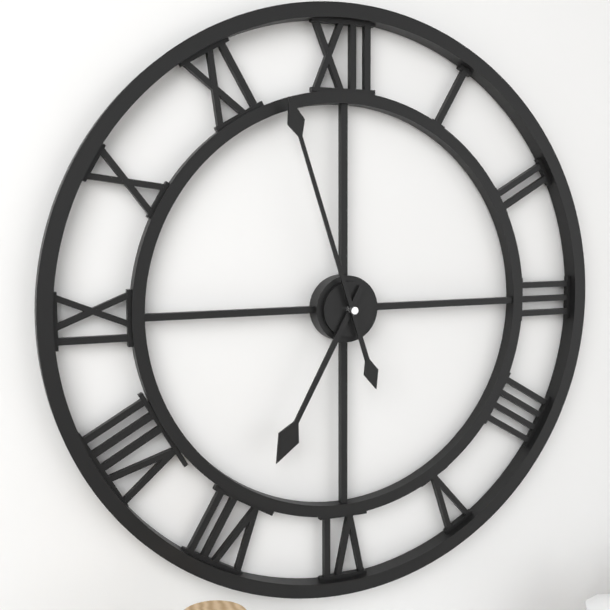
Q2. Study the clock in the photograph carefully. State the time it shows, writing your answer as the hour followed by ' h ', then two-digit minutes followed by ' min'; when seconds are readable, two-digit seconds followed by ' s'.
6 h 57 min
